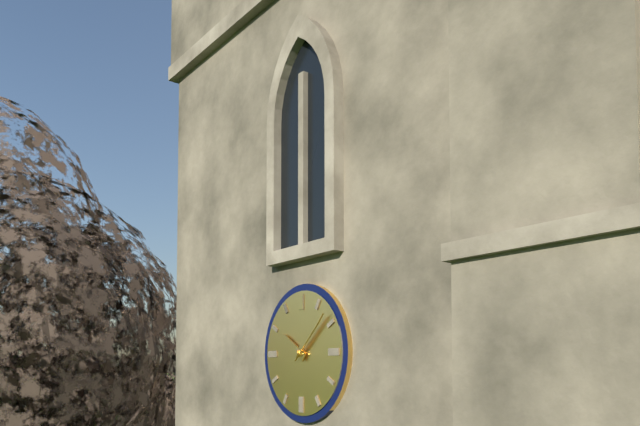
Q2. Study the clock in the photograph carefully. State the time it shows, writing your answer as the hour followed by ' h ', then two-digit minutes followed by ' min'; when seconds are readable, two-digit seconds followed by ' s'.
10 h 08 min
